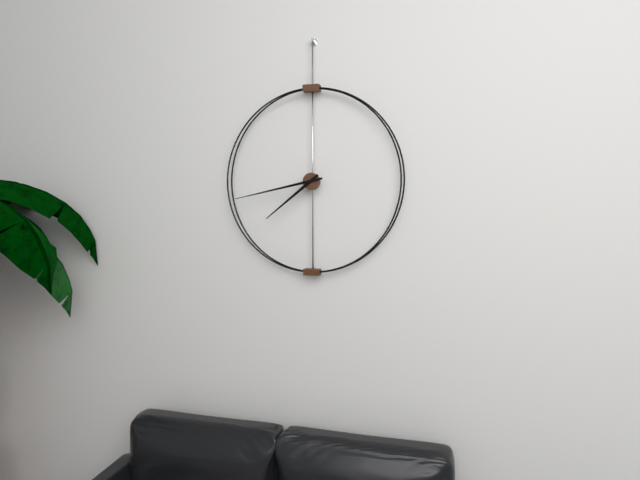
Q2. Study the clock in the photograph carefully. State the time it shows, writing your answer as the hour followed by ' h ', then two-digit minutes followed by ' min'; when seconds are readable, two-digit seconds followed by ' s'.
7 h 43 min
